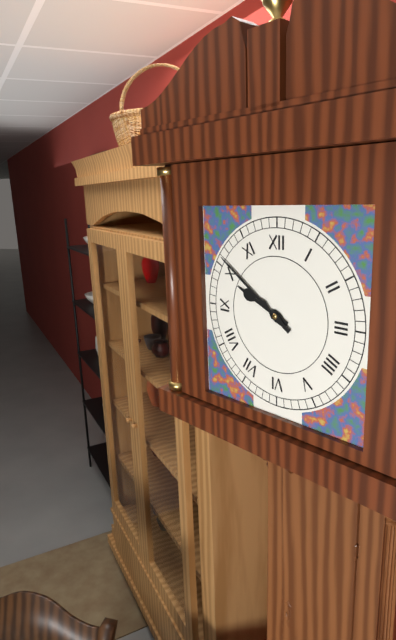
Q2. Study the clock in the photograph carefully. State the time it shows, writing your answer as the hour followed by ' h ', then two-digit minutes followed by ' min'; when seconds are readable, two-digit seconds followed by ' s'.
9 h 51 min
